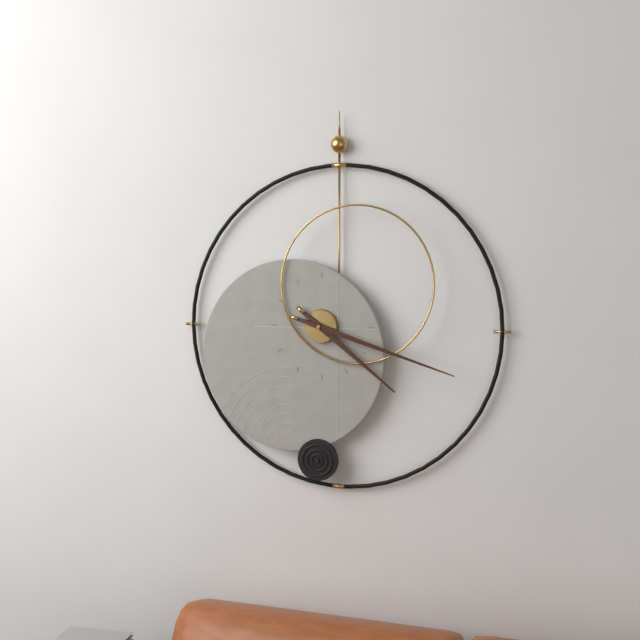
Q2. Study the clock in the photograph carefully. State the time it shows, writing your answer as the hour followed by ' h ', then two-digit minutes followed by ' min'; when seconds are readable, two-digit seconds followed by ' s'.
4 h 18 min
